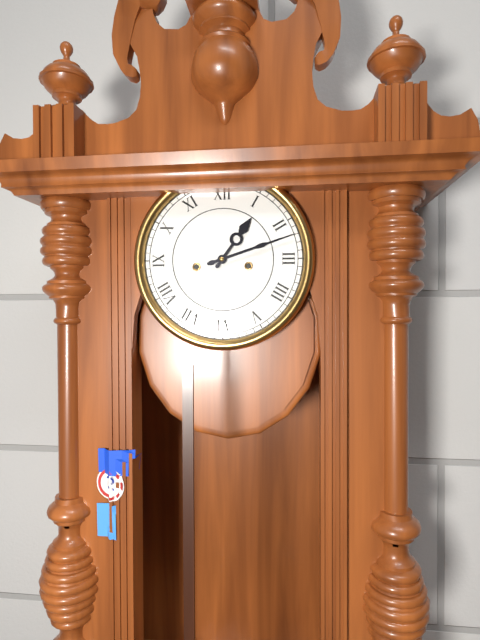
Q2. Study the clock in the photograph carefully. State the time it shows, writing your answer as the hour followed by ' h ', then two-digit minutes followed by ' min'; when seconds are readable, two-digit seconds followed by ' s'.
1 h 12 min
